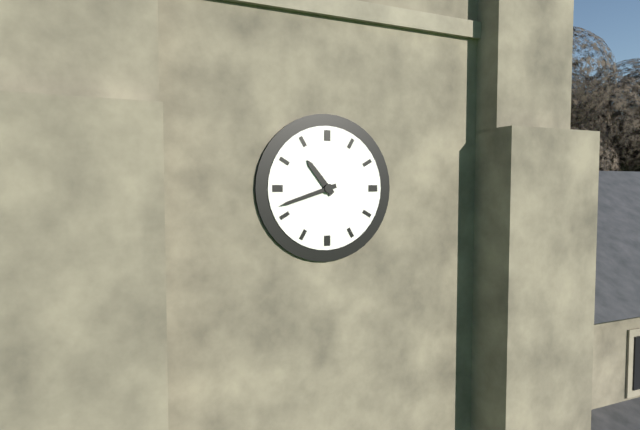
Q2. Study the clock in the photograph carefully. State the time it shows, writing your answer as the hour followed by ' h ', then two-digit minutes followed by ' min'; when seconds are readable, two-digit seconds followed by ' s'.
10 h 42 min
